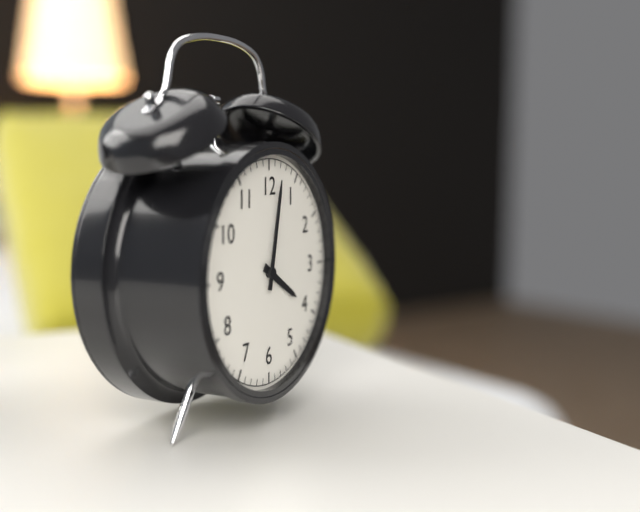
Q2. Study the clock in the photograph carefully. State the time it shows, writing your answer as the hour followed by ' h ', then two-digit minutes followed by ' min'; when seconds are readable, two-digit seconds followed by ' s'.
4 h 02 min
